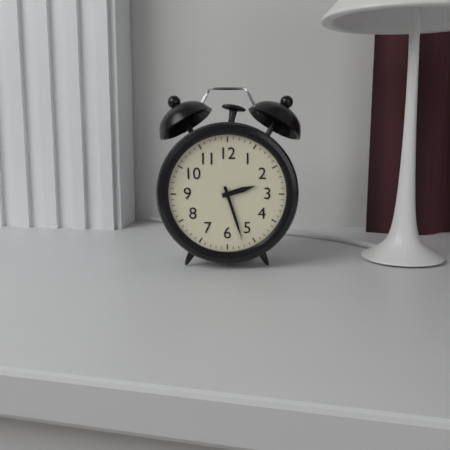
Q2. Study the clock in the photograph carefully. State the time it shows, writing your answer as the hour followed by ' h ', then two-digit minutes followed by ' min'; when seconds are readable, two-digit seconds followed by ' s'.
2 h 27 min
